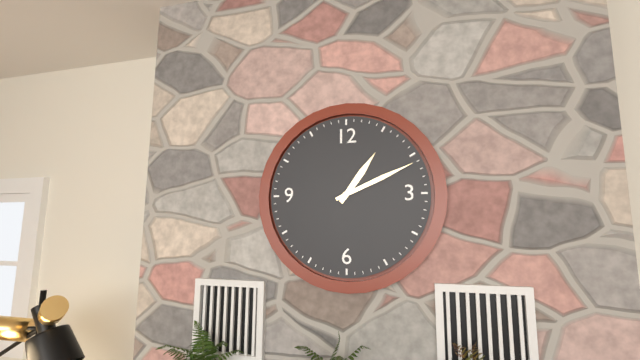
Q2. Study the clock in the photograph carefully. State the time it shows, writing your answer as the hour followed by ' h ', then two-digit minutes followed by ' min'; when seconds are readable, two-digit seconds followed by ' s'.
1 h 11 min
